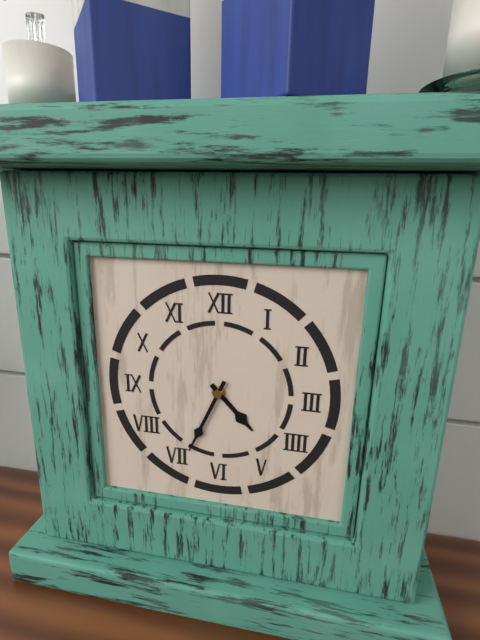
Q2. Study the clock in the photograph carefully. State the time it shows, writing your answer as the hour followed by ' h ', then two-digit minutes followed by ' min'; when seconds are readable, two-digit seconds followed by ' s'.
4 h 34 min
